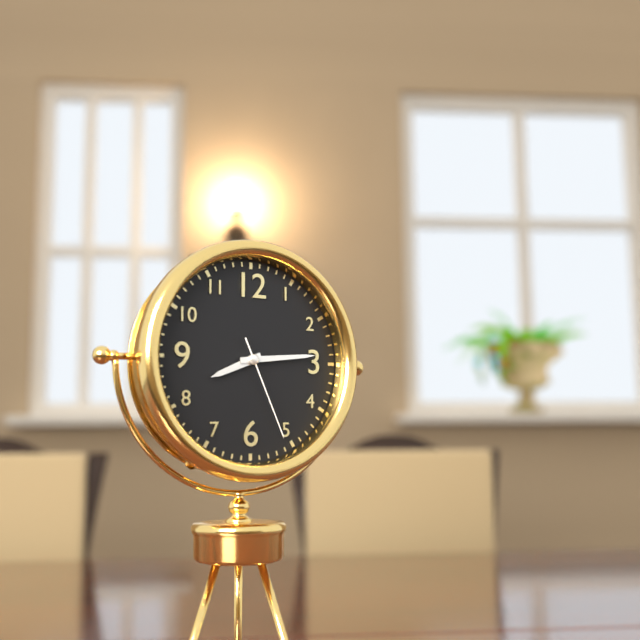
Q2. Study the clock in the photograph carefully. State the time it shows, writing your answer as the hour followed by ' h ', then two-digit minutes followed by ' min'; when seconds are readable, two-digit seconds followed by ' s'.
8 h 14 min 26 s
